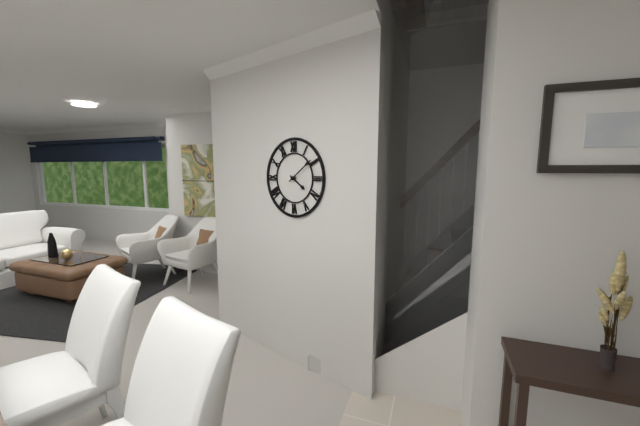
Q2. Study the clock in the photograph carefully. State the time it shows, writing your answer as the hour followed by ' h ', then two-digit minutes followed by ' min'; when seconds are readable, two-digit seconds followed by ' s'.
4 h 09 min
